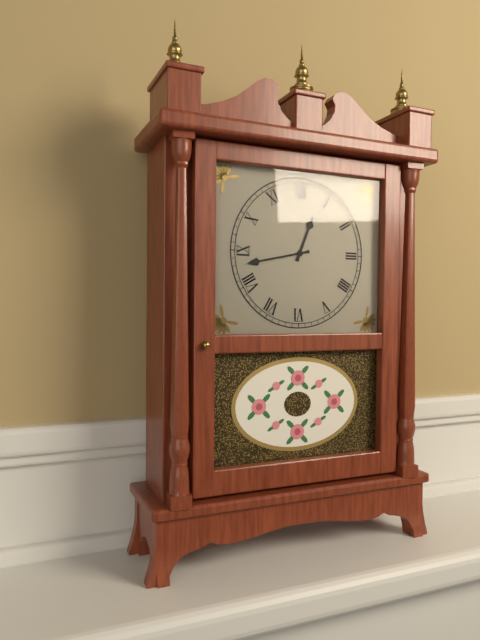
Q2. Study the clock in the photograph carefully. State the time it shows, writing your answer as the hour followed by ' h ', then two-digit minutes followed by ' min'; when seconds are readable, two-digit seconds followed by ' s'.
12 h 43 min
